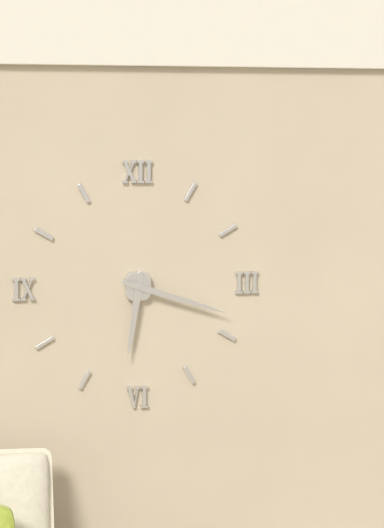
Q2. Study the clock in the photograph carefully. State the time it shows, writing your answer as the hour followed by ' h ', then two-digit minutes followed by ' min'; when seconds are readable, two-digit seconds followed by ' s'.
6 h 18 min
